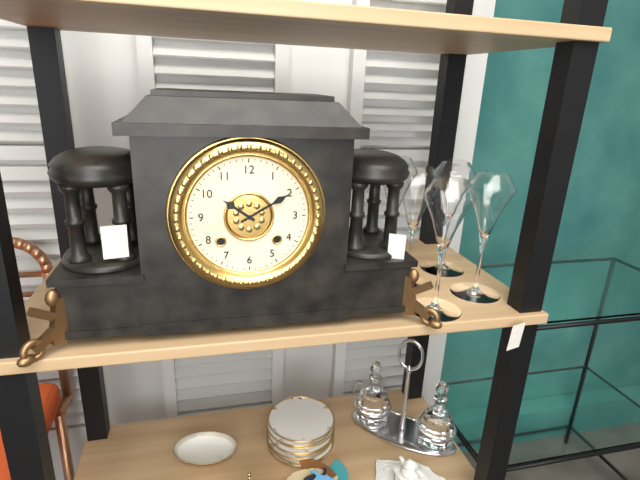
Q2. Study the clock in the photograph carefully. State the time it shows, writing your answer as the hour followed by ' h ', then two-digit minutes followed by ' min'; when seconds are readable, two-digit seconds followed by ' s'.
10 h 10 min
